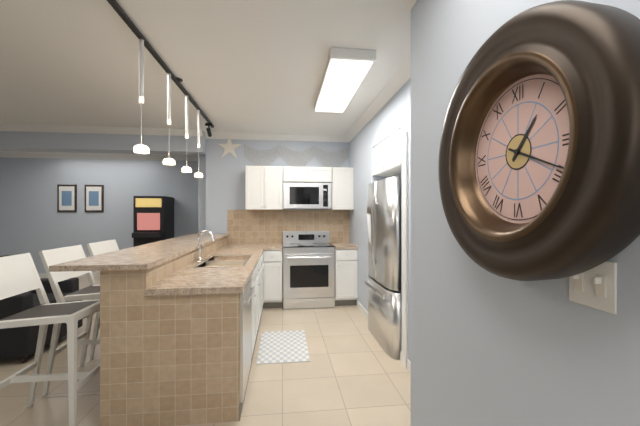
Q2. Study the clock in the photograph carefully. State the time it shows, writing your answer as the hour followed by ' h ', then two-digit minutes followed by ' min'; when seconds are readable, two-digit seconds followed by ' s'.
1 h 19 min
